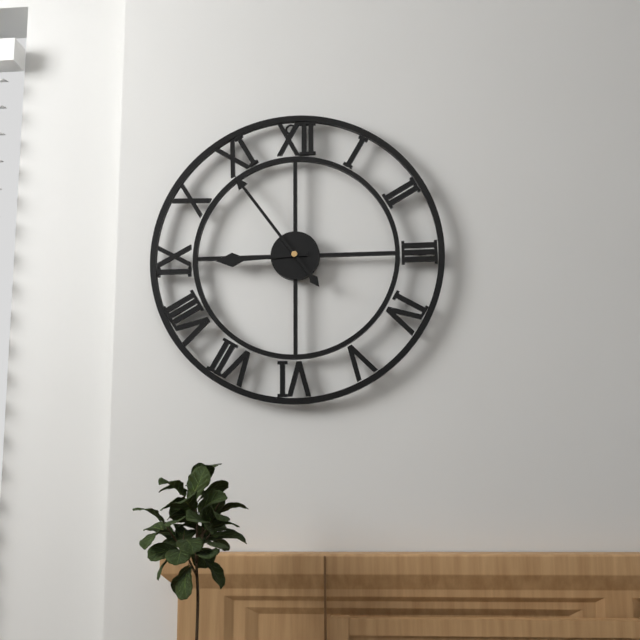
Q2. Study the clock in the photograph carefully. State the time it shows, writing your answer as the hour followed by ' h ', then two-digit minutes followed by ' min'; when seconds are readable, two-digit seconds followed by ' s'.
8 h 54 min
